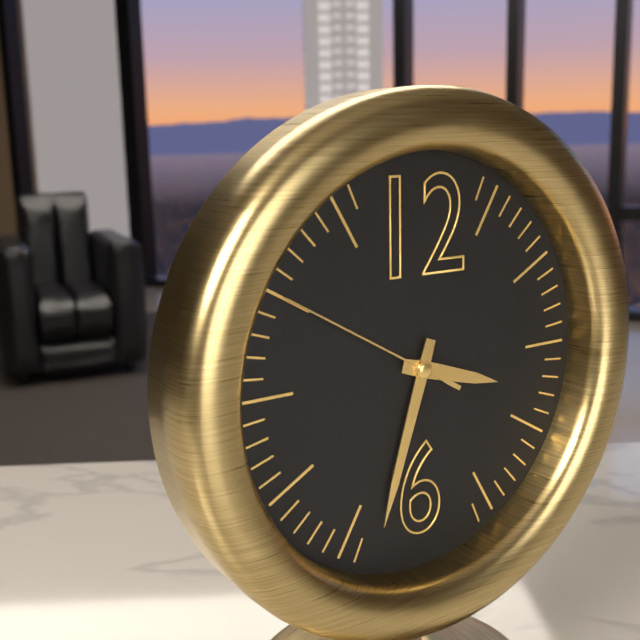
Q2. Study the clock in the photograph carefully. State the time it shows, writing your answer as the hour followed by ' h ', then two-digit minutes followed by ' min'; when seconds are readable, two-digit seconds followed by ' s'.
3 h 33 min 50 s
